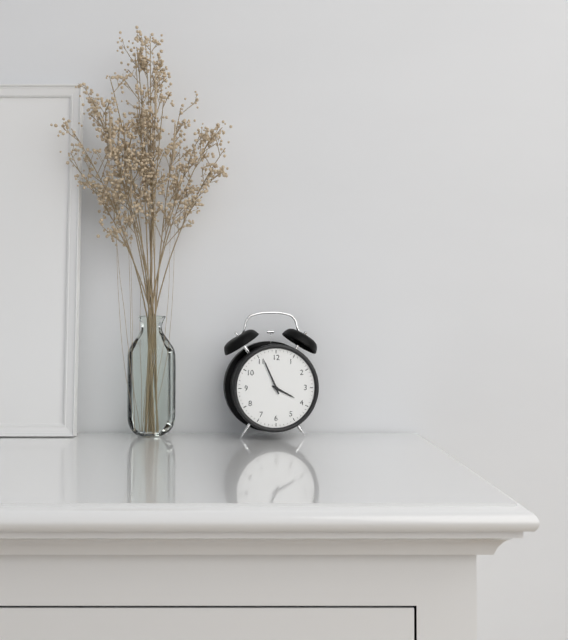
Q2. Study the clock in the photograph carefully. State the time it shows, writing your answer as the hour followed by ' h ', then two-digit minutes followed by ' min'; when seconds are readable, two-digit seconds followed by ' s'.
3 h 56 min
